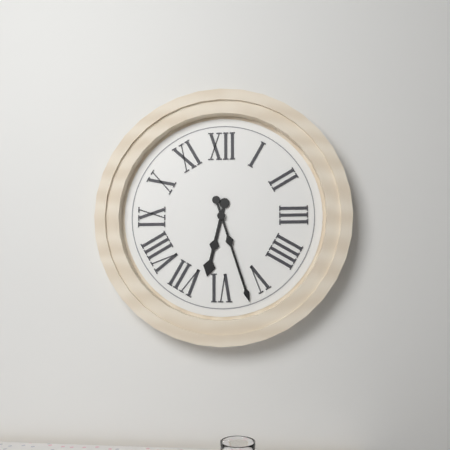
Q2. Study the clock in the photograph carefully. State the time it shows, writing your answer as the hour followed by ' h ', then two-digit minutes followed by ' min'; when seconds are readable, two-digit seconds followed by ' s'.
6 h 27 min
